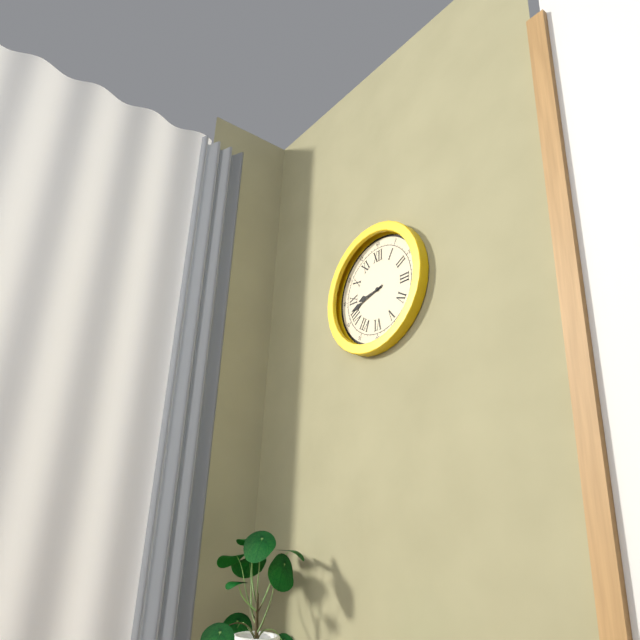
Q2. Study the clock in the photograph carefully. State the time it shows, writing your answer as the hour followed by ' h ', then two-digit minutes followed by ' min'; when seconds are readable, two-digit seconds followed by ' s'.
8 h 42 min
